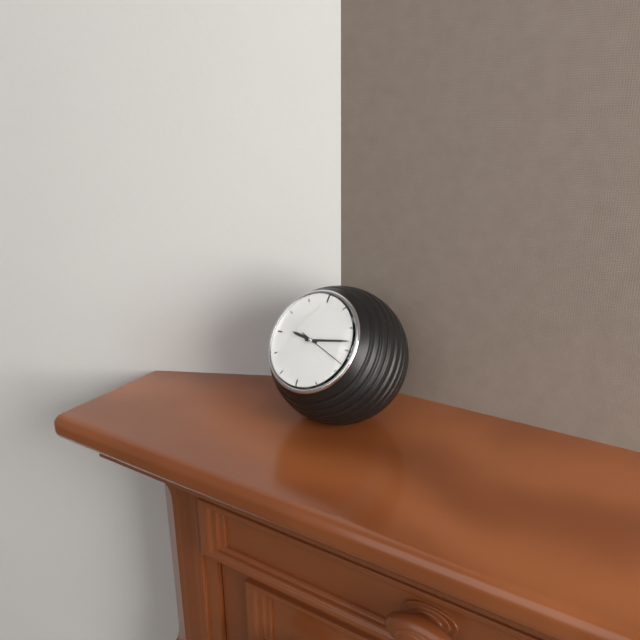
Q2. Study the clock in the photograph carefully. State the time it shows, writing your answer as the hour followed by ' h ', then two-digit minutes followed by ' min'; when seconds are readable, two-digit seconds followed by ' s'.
9 h 13 min
